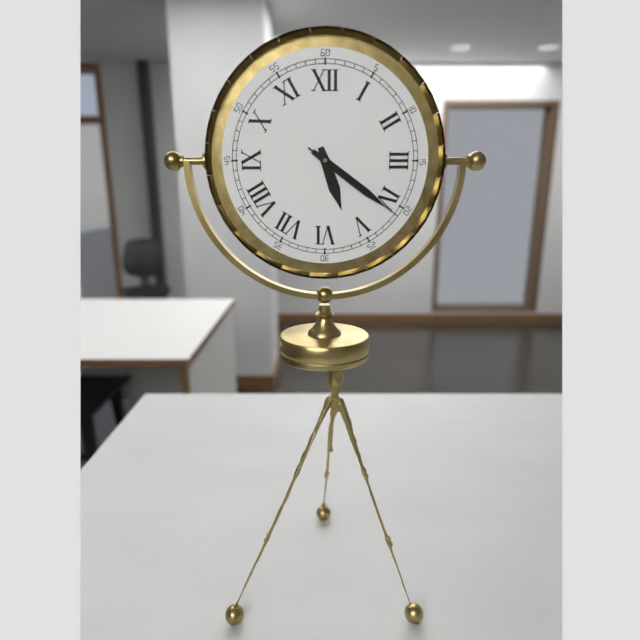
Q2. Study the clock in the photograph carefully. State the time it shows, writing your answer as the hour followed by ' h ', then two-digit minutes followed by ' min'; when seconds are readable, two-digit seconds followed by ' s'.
5 h 21 min 21 s
